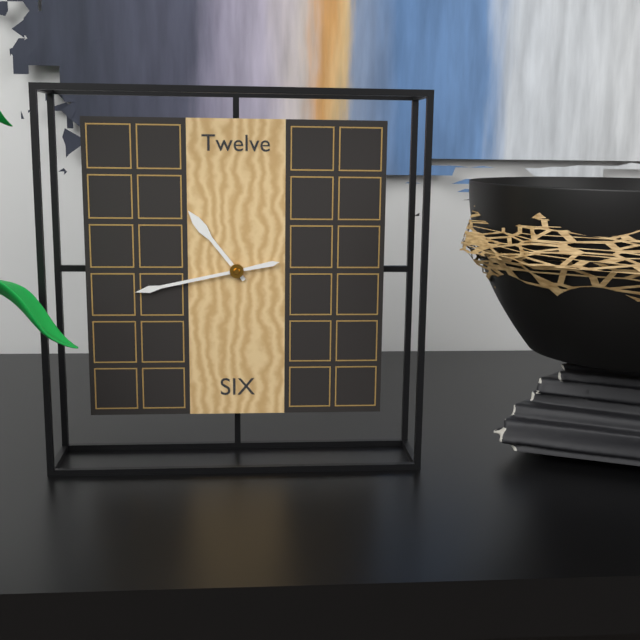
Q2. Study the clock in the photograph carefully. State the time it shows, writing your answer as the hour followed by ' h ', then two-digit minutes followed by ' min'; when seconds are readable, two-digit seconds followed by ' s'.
10 h 43 min
